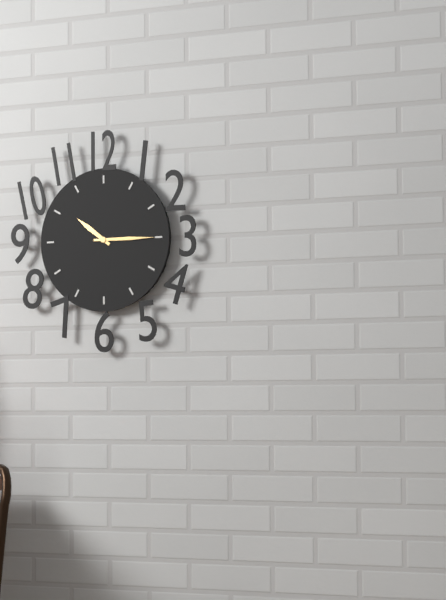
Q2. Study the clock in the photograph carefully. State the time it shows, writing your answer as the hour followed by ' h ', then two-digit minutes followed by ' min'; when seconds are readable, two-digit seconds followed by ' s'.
10 h 15 min
